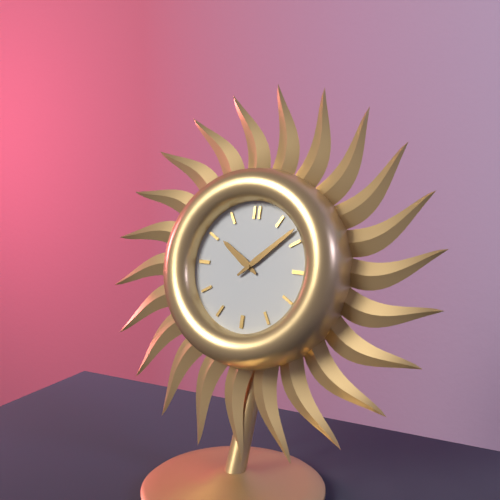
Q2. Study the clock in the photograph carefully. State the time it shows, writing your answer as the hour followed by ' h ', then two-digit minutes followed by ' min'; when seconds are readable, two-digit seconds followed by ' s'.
10 h 08 min
